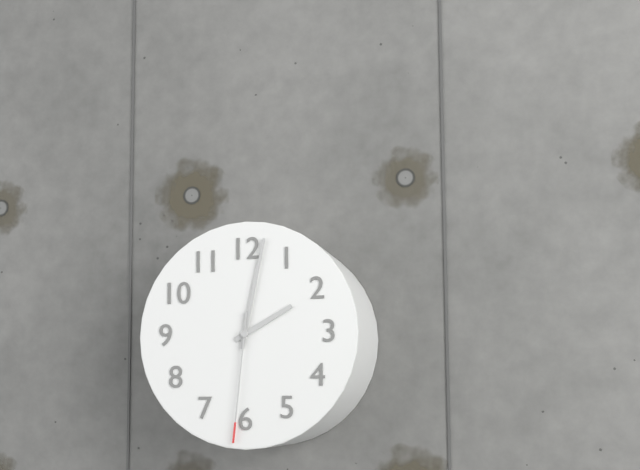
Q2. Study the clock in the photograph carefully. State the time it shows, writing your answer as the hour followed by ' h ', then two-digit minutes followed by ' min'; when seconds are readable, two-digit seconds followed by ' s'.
2 h 02 min 31 s
